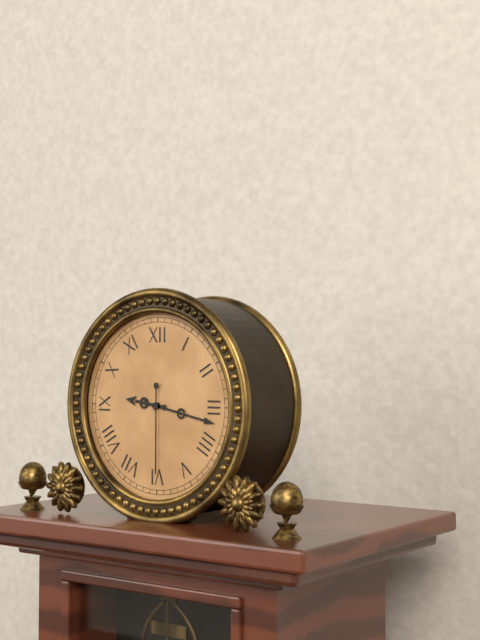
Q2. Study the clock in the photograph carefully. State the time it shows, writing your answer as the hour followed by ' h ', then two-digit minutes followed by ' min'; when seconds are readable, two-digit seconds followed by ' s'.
9 h 17 min 30 s
